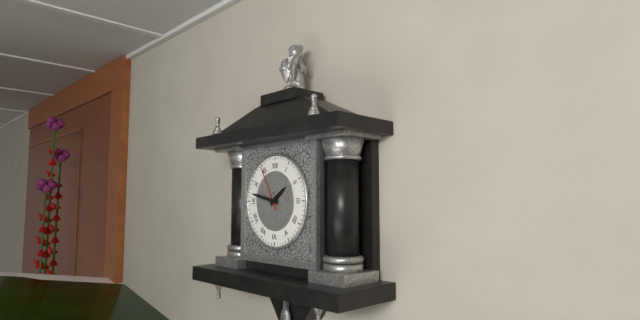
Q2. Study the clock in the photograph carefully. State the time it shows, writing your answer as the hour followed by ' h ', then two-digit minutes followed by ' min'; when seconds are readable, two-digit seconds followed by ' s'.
1 h 47 min 55 s
